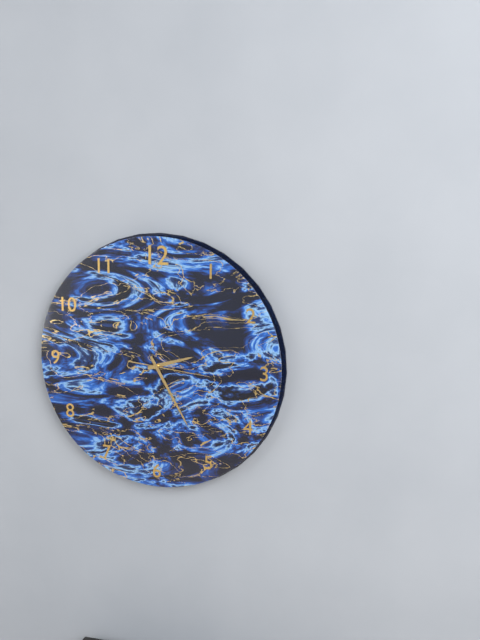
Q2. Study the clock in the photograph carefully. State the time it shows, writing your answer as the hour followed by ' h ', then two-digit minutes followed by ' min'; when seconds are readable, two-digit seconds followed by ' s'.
2 h 25 min 16 s
